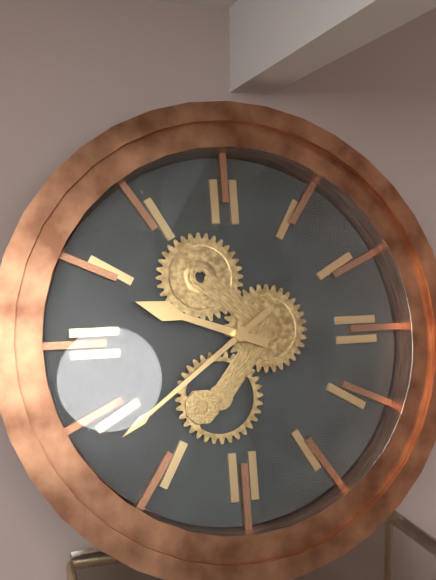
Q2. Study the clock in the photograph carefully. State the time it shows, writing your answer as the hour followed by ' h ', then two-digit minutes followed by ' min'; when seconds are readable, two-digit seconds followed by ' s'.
9 h 39 min
